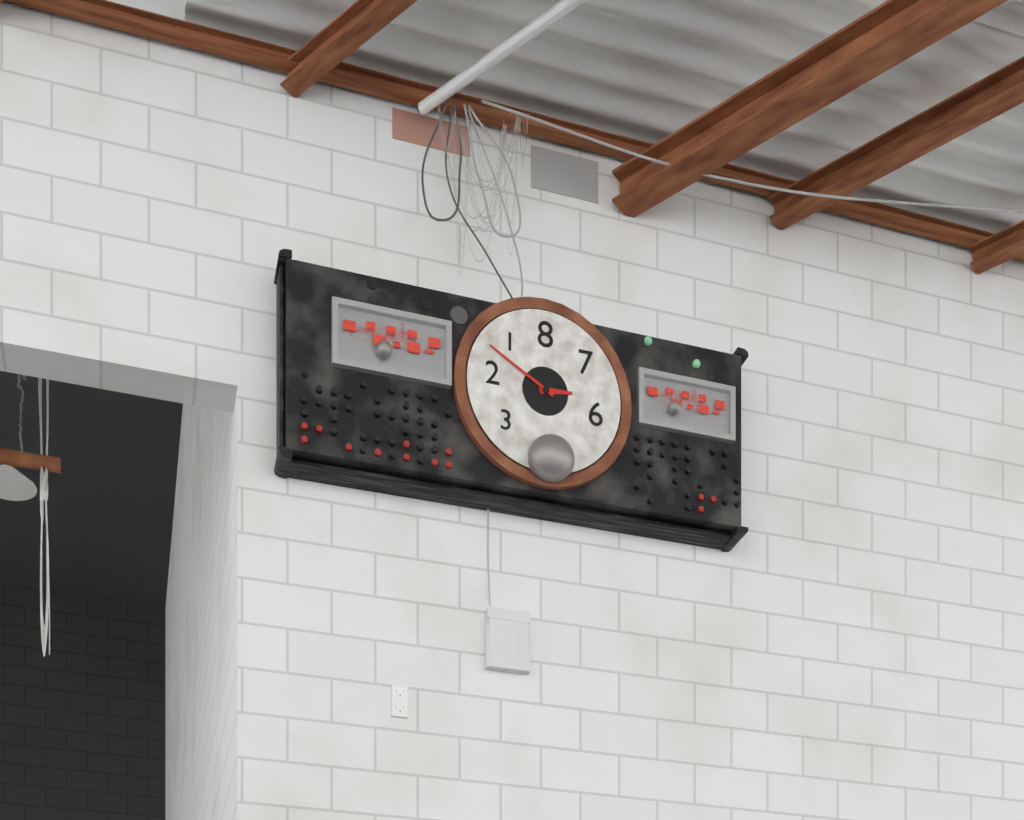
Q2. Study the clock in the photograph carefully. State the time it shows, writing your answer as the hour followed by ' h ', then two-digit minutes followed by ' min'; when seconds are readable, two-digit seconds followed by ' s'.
2 h 50 min
